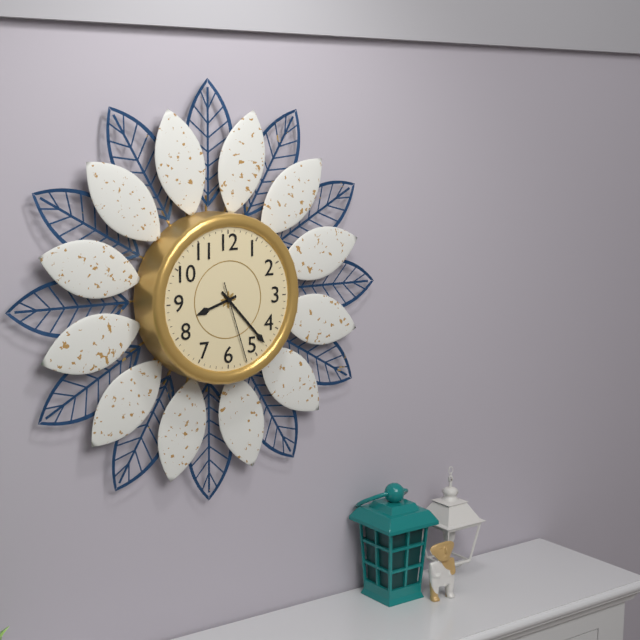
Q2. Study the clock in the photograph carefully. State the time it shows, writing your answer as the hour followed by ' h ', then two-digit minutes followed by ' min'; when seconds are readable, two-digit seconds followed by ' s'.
8 h 23 min 27 s
